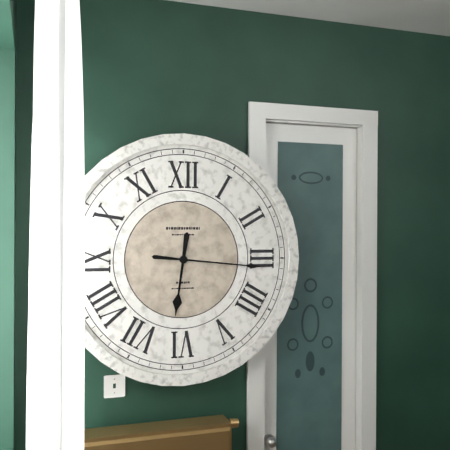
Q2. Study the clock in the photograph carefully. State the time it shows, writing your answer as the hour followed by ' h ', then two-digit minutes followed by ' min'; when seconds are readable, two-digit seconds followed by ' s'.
6 h 16 min
